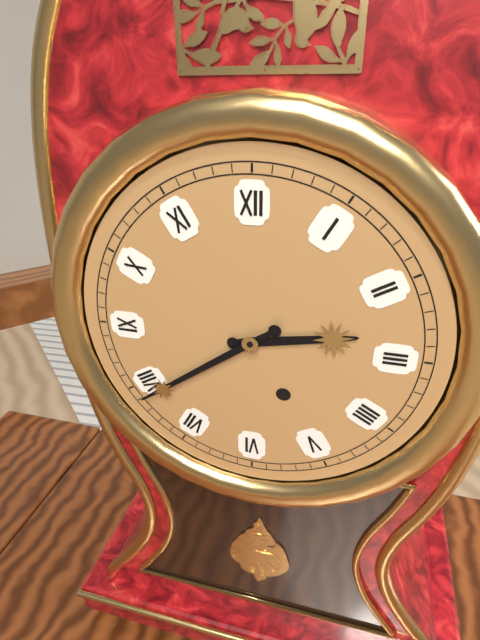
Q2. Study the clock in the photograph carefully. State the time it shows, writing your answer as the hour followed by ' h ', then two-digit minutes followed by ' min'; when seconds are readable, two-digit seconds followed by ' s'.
2 h 39 min
